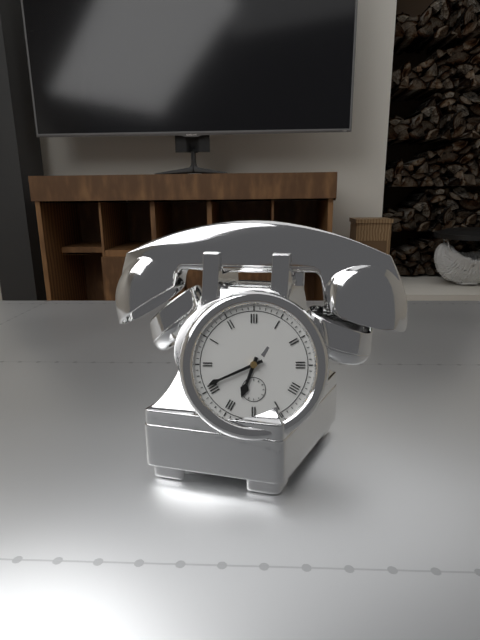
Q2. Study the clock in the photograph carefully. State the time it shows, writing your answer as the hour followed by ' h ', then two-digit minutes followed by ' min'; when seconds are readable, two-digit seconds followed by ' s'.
6 h 41 min
